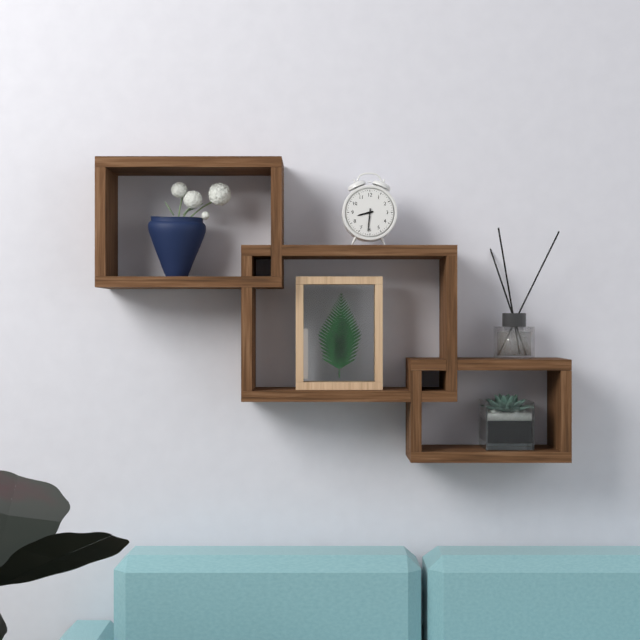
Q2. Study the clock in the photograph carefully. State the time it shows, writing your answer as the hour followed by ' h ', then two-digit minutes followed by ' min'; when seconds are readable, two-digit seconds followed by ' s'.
8 h 31 min
